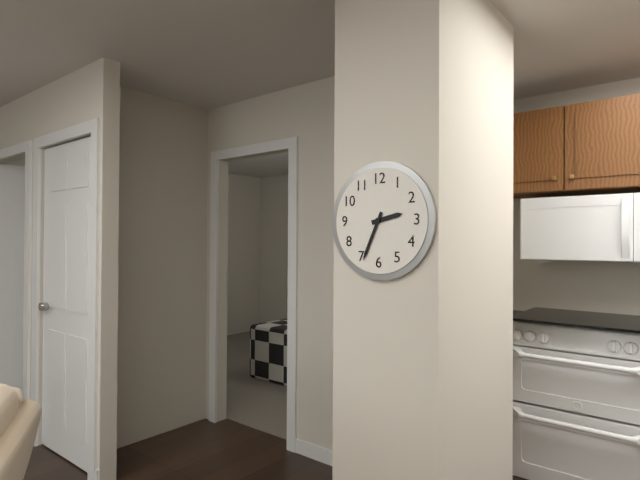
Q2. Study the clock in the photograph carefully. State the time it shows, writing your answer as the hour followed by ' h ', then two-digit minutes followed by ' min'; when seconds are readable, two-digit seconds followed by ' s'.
2 h 34 min
